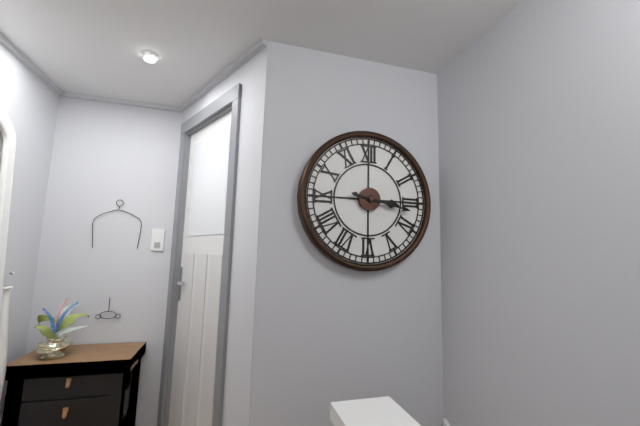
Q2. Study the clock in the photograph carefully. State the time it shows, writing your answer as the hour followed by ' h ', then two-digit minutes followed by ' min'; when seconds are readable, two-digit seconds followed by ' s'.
3 h 17 min
